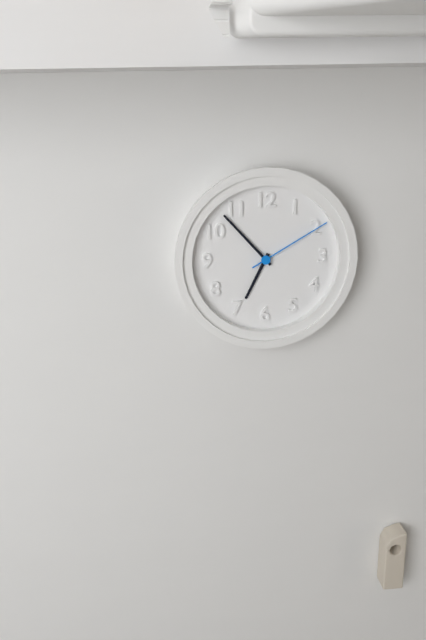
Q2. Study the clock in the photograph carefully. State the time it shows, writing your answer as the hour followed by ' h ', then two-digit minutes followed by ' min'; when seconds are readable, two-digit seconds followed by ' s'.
6 h 53 min 10 s
